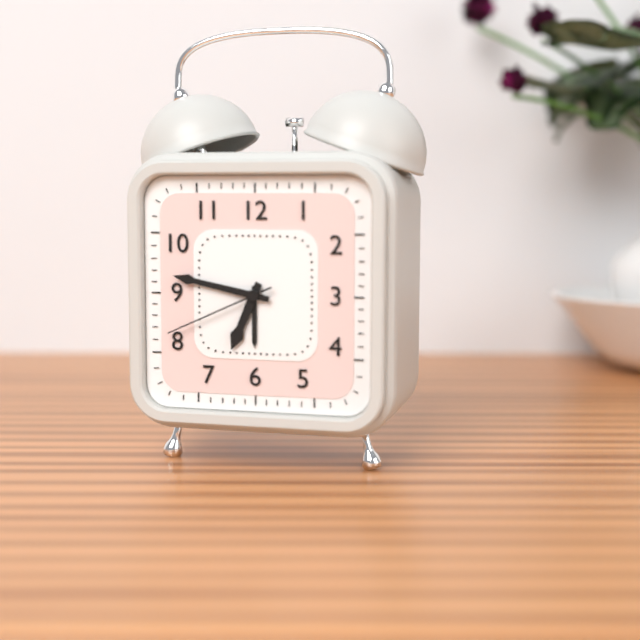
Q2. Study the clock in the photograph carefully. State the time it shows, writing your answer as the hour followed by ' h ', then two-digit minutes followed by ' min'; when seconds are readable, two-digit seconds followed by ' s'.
6 h 47 min 41 s
